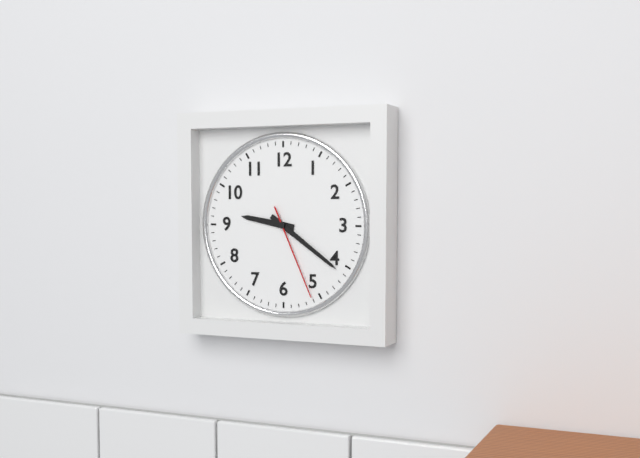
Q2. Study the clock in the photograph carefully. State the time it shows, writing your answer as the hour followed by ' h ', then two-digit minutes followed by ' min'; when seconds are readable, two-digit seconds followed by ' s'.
9 h 21 min 26 s
